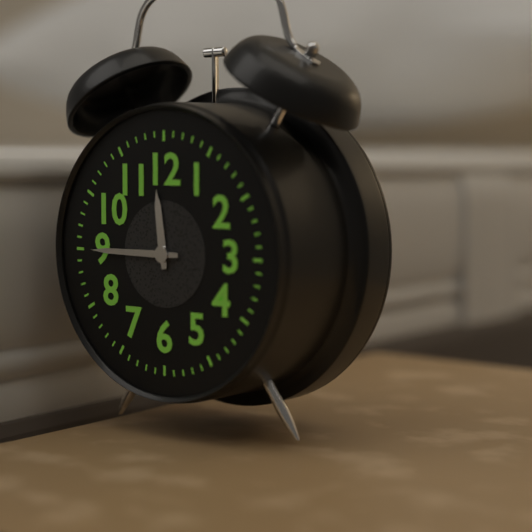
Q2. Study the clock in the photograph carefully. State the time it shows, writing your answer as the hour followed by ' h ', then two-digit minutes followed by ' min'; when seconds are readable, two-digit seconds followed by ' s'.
11 h 45 min
